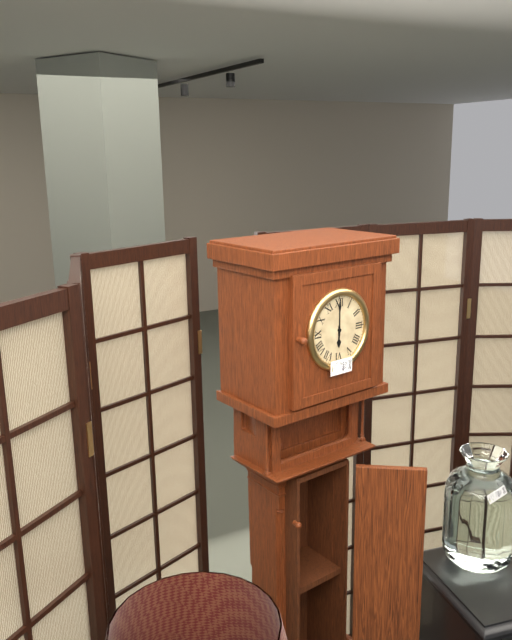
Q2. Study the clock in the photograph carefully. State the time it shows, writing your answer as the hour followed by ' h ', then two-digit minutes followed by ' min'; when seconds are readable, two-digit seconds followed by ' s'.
6 h 00 min
